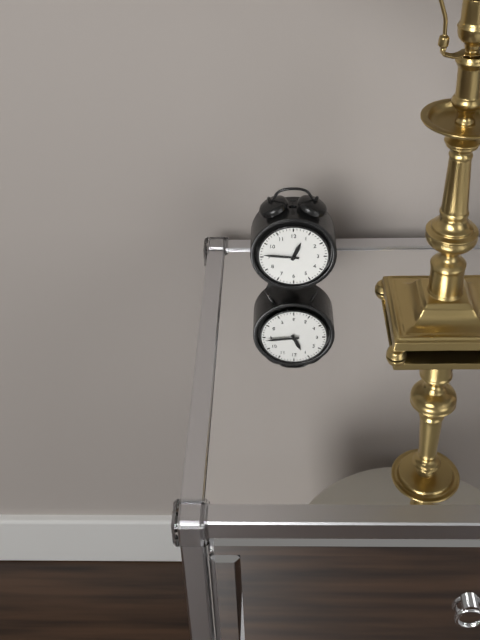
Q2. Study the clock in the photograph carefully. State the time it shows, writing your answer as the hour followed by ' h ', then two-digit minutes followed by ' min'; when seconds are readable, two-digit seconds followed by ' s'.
12 h 46 min
